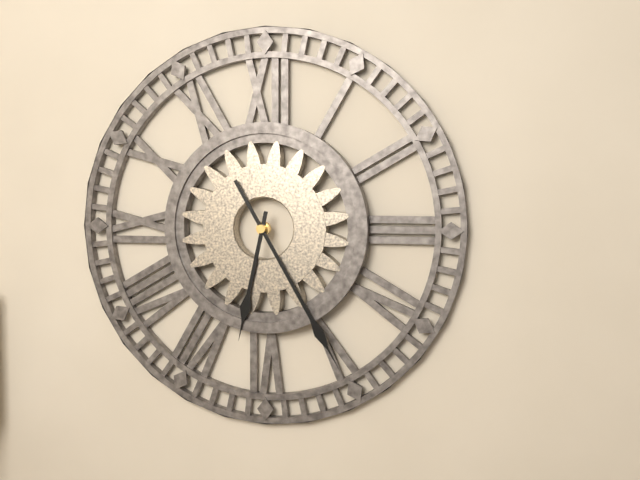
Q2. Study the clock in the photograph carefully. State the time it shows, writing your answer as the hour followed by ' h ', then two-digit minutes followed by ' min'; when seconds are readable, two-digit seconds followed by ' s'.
6 h 25 min
